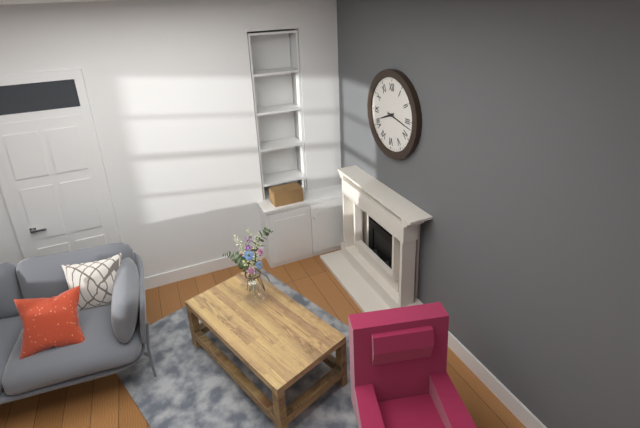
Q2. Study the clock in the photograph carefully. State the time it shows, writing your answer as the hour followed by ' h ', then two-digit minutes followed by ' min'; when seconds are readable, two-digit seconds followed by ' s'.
8 h 17 min
